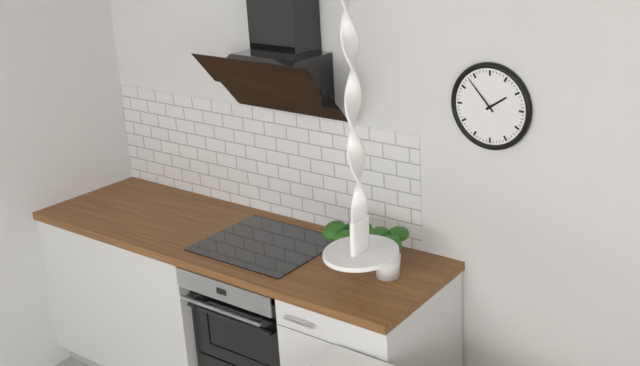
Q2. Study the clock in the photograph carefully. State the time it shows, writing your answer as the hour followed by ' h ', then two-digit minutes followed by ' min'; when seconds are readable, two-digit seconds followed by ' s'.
1 h 53 min
